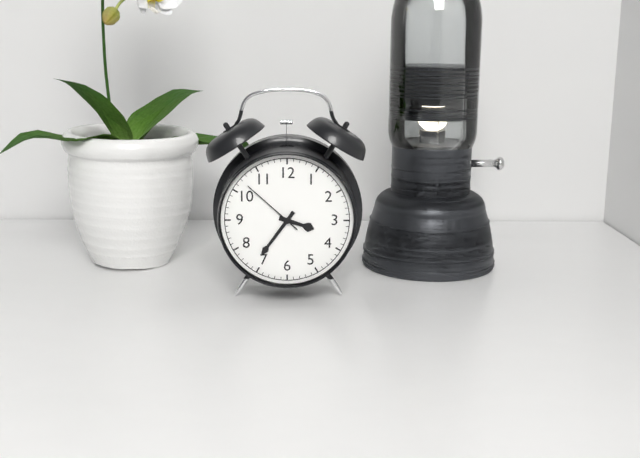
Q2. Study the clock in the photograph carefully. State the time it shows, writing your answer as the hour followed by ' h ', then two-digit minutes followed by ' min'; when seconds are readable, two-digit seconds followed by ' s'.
3 h 36 min 52 s
